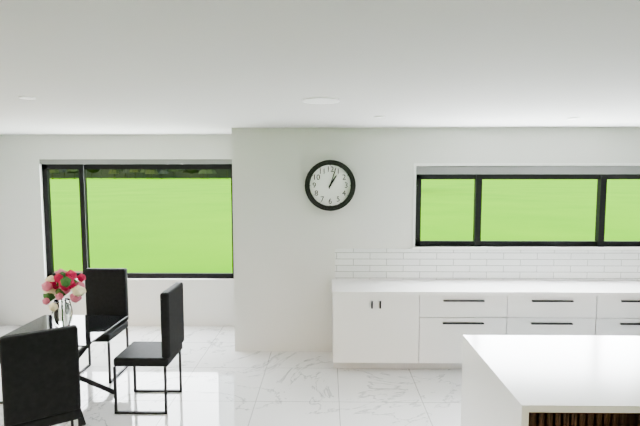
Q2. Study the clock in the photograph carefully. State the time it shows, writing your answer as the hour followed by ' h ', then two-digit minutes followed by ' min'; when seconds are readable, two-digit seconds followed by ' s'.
1 h 03 min
